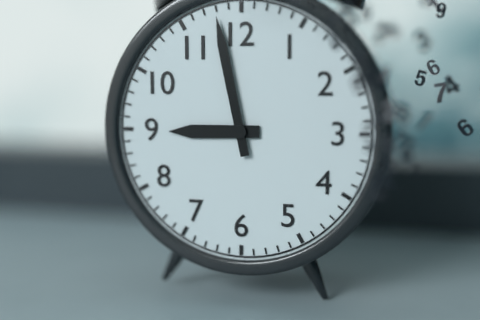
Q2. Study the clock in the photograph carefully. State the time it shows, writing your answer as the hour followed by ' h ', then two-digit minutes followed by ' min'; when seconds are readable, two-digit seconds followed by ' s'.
8 h 58 min
